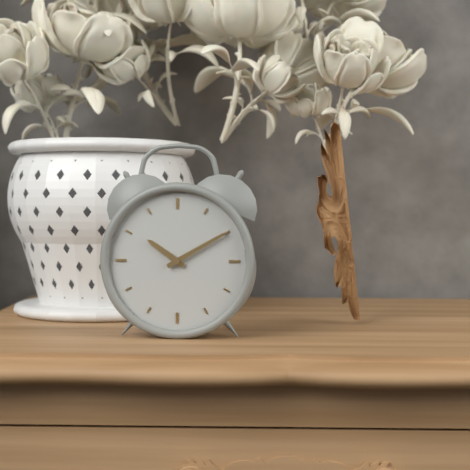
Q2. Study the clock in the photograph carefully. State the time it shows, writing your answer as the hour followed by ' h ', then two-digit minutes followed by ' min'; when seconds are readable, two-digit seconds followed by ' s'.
10 h 10 min
